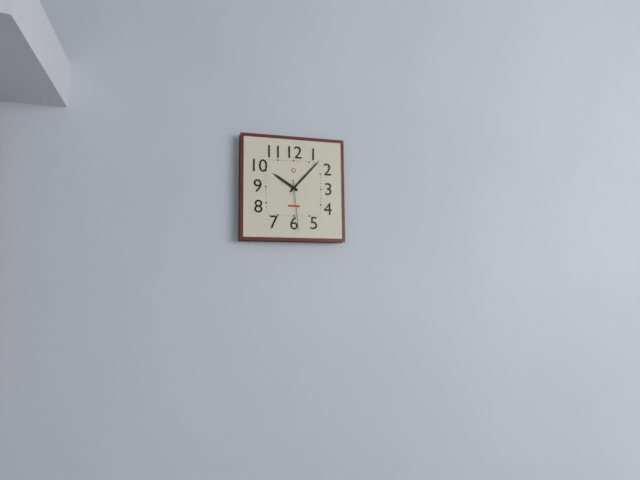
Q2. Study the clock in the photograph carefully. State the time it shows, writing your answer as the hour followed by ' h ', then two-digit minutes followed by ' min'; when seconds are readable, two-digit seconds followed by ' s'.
10 h 07 min 29 s
